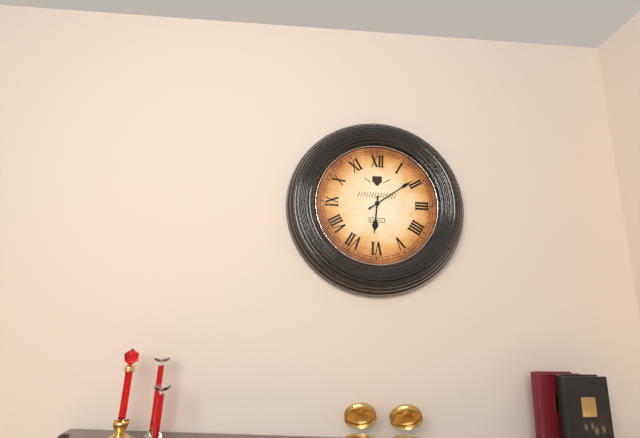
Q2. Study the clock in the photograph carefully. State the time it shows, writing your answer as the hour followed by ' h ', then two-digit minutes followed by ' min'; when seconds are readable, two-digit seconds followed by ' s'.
6 h 09 min
